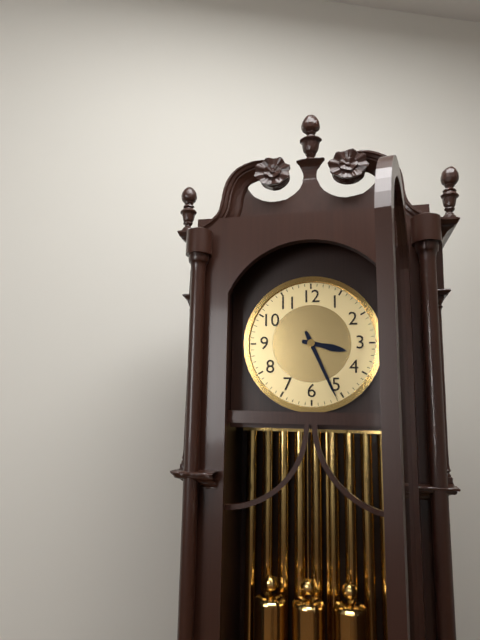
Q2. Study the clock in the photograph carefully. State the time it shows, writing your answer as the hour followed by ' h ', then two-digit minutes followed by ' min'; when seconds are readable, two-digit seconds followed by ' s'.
3 h 26 min
